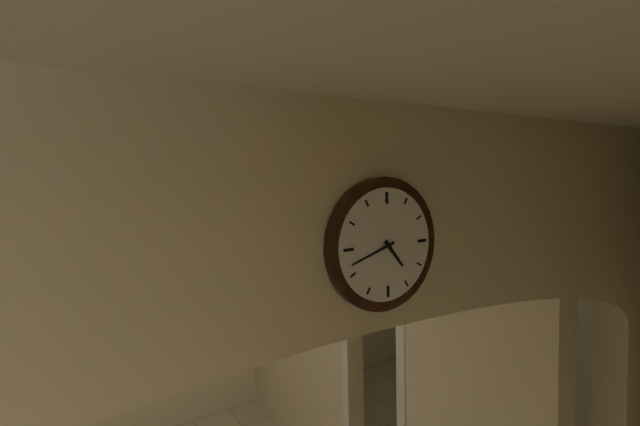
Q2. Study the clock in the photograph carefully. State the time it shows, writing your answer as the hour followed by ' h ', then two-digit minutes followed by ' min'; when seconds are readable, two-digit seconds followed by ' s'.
4 h 42 min
